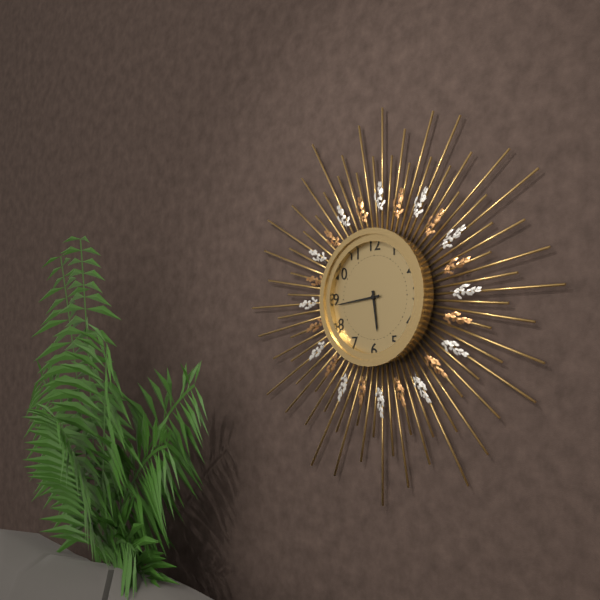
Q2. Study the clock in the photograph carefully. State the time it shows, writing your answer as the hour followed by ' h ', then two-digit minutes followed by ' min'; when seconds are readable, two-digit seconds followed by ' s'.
5 h 44 min
